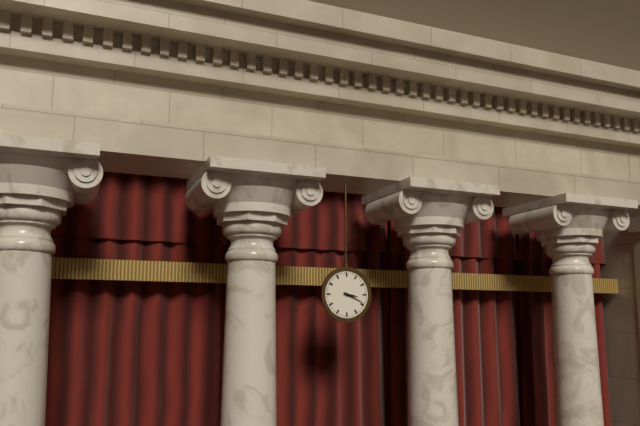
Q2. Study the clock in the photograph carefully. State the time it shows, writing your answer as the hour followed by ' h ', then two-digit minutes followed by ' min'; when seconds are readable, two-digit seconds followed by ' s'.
3 h 19 min
